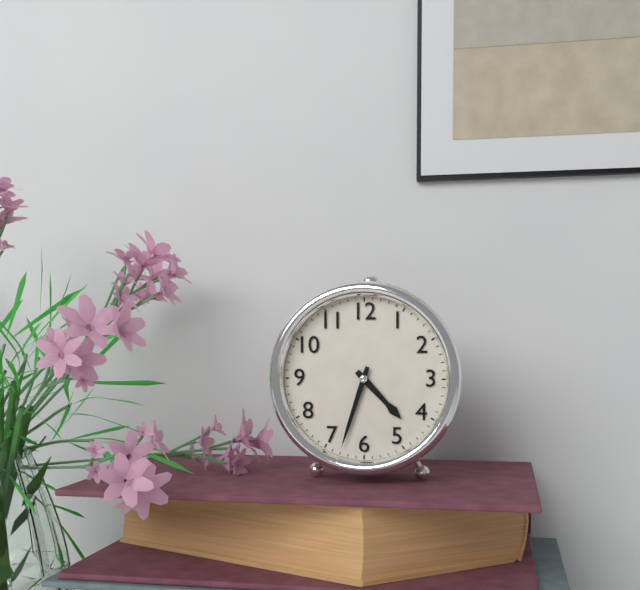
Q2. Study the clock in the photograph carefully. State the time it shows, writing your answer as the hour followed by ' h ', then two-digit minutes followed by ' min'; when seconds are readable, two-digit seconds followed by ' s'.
4 h 33 min
